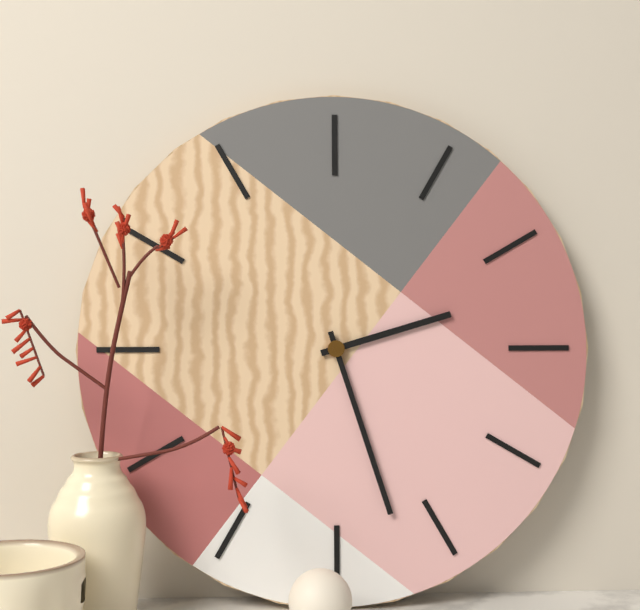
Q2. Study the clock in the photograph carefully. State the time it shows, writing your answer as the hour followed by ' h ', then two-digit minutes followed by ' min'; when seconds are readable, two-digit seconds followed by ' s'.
2 h 27 min
